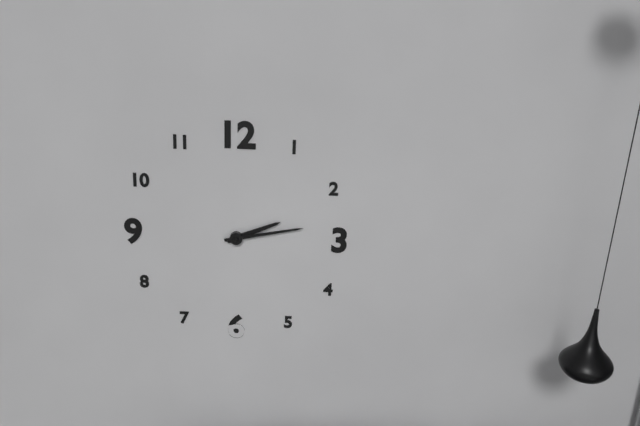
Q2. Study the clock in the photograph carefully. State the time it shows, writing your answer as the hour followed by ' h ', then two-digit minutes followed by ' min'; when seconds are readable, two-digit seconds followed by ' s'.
2 h 13 min
